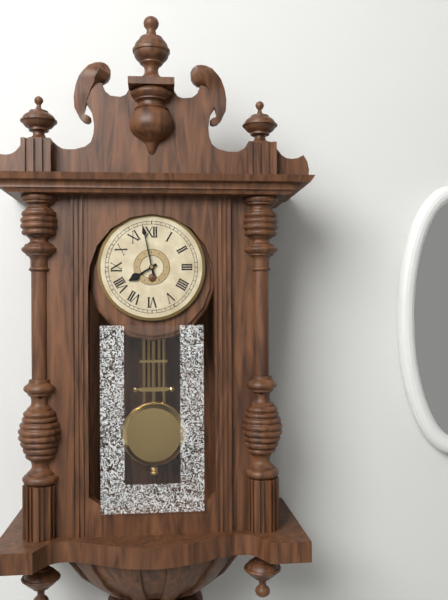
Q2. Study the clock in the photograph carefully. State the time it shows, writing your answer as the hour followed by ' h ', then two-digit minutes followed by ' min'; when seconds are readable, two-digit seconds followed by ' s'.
7 h 58 min
